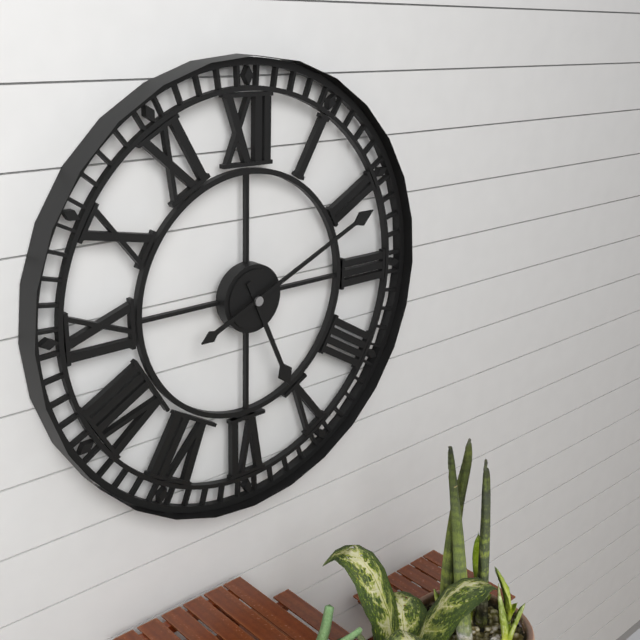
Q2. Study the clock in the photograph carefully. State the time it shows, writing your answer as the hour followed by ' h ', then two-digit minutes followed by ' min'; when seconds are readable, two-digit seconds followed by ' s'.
5 h 11 min
